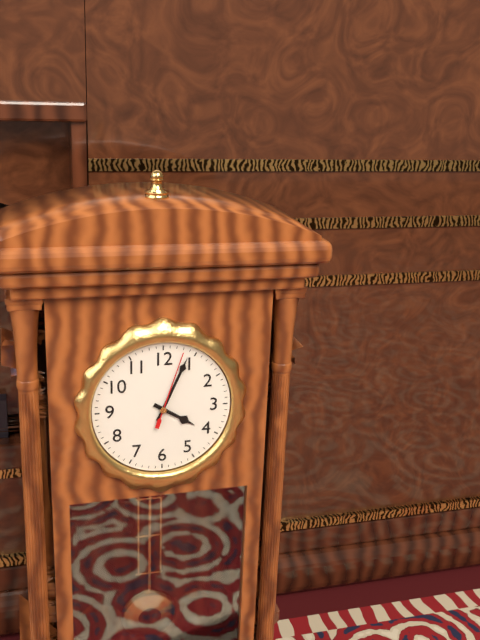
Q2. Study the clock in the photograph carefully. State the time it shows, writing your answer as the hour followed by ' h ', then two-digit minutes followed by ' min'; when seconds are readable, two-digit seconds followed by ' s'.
4 h 04 min 03 s
